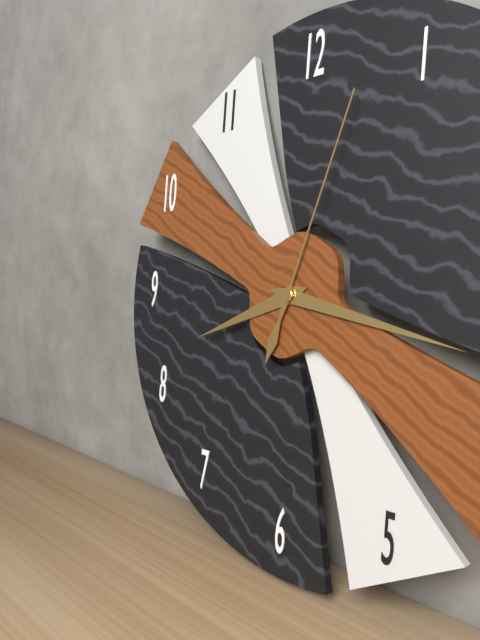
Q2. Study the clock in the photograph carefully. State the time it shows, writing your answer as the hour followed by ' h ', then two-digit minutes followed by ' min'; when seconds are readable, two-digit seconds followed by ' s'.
8 h 17 min 03 s
